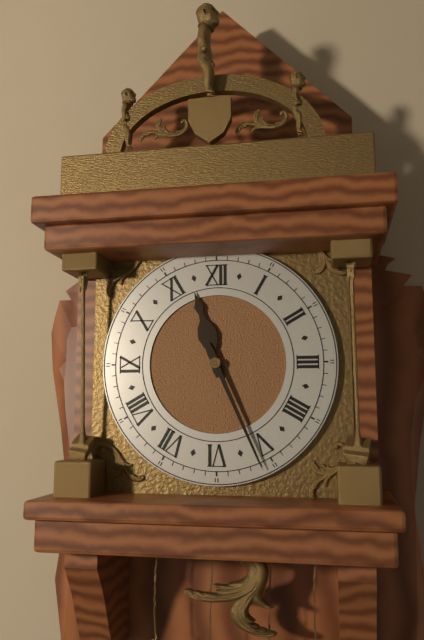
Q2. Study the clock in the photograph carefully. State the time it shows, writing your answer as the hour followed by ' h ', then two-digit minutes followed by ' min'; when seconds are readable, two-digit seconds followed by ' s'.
11 h 26 min
